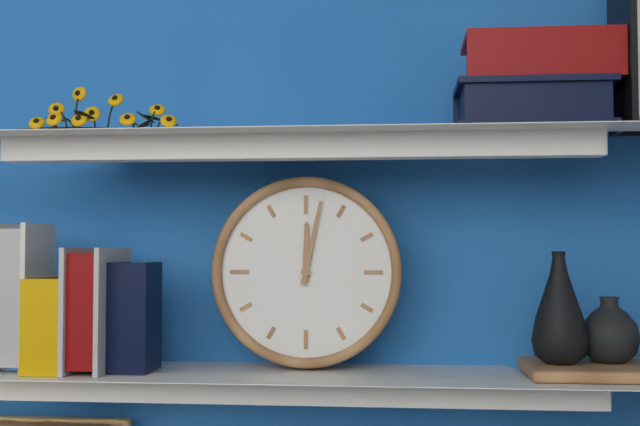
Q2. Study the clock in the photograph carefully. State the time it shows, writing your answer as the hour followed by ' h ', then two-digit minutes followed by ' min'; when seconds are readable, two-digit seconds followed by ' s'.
12 h 02 min
